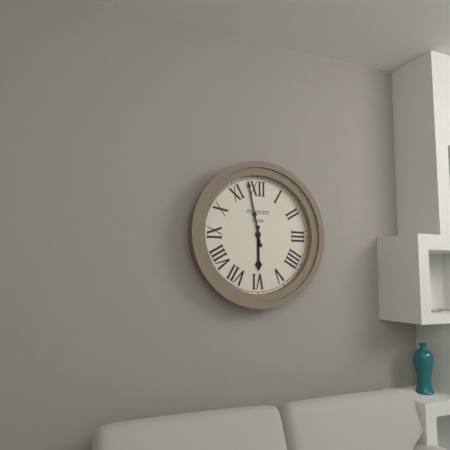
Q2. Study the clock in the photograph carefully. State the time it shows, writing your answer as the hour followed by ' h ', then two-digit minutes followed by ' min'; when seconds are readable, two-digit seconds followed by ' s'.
5 h 58 min
